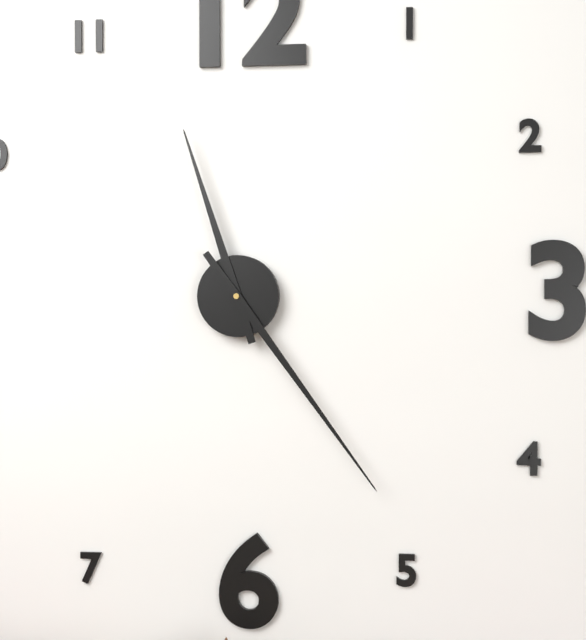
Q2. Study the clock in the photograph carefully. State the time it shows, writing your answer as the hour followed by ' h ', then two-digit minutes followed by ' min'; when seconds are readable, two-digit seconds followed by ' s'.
11 h 24 min
